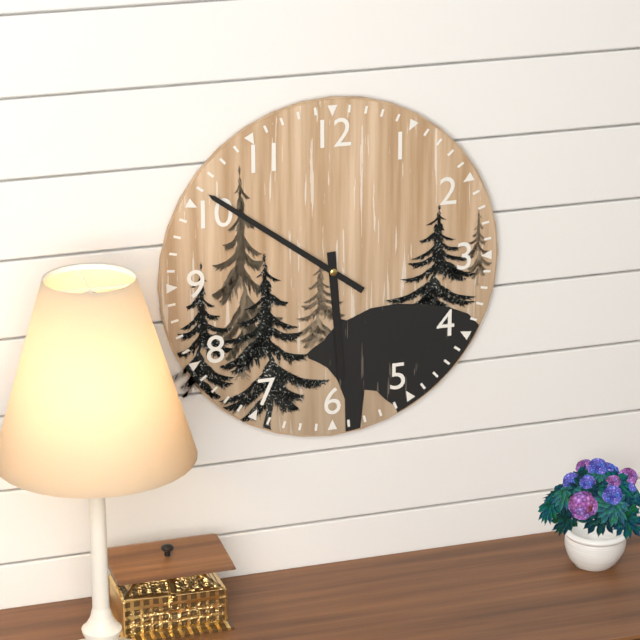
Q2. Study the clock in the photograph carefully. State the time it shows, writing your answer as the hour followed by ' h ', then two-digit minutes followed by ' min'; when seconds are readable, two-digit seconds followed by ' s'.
5 h 51 min
